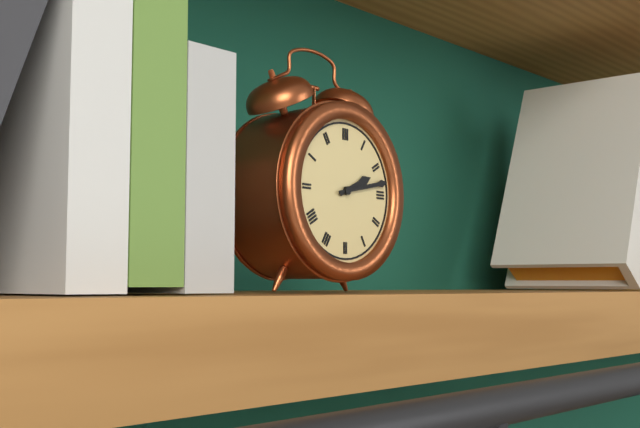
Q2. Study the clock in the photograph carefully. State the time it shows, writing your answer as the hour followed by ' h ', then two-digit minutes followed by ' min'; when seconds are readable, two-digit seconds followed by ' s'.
2 h 13 min
